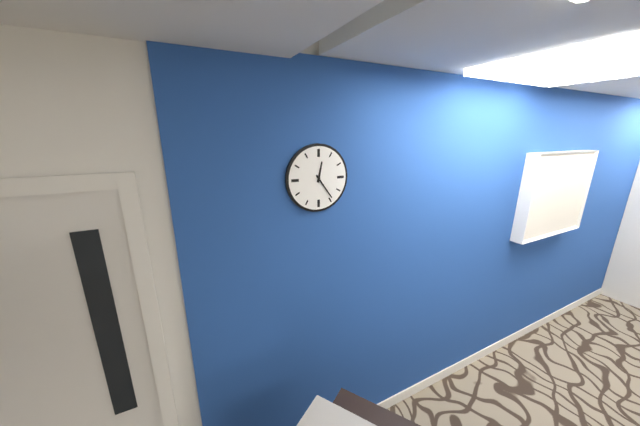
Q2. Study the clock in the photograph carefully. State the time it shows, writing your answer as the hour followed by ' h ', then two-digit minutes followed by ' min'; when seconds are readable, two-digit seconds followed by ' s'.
12 h 24 min
